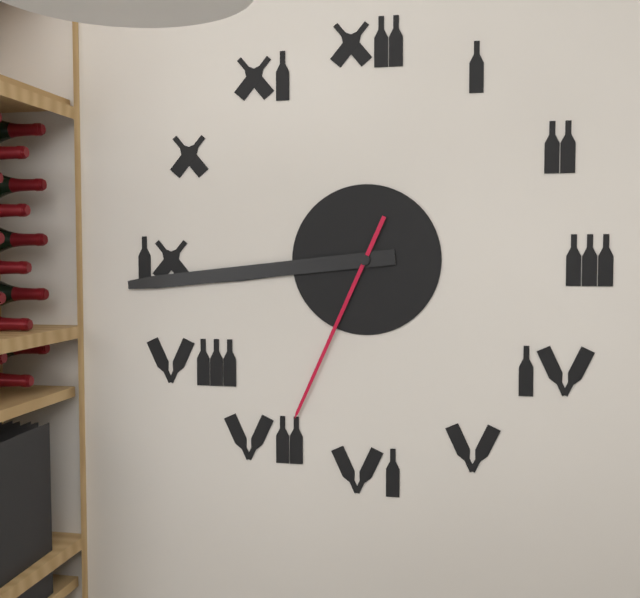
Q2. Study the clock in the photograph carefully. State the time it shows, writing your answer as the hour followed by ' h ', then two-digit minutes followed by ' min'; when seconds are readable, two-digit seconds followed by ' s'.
8 h 44 min 34 s
